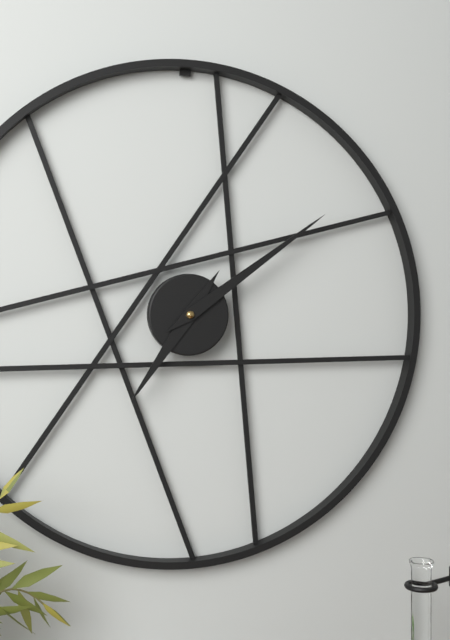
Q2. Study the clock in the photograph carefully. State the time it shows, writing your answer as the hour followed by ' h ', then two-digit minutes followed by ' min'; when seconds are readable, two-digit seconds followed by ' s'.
7 h 09 min
